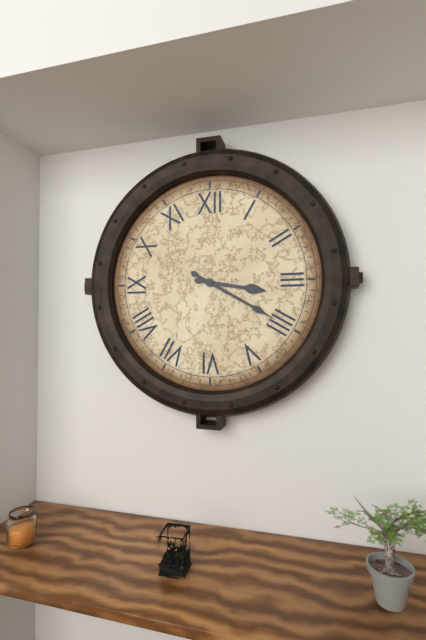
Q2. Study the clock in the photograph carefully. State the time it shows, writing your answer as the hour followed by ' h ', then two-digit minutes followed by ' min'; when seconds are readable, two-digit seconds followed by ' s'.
3 h 20 min
